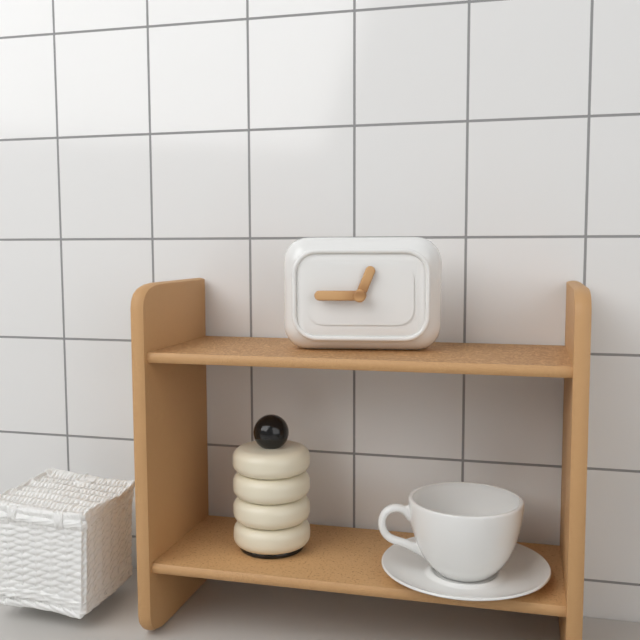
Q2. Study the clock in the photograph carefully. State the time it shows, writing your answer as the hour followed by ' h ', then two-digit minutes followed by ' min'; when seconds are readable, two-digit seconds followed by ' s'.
12 h 45 min
